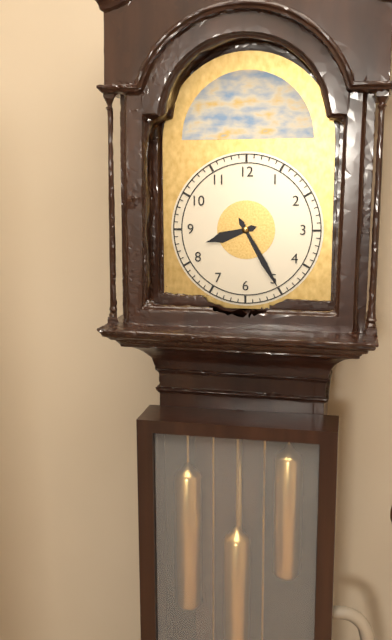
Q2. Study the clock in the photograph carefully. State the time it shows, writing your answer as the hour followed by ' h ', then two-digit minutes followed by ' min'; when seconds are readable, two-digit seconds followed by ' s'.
8 h 25 min
